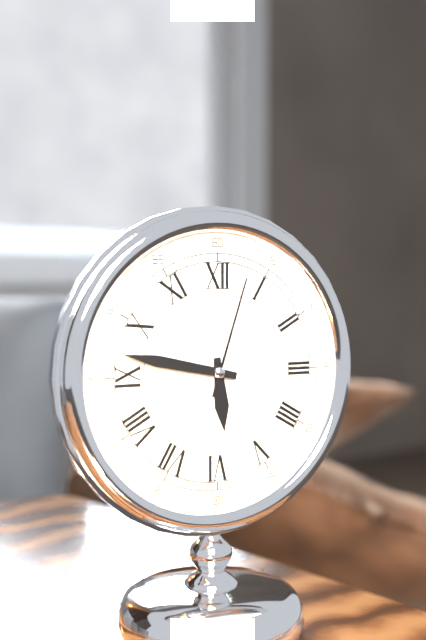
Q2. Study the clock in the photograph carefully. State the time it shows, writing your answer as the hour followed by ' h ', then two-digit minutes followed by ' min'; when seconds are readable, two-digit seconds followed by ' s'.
5 h 47 min 03 s
